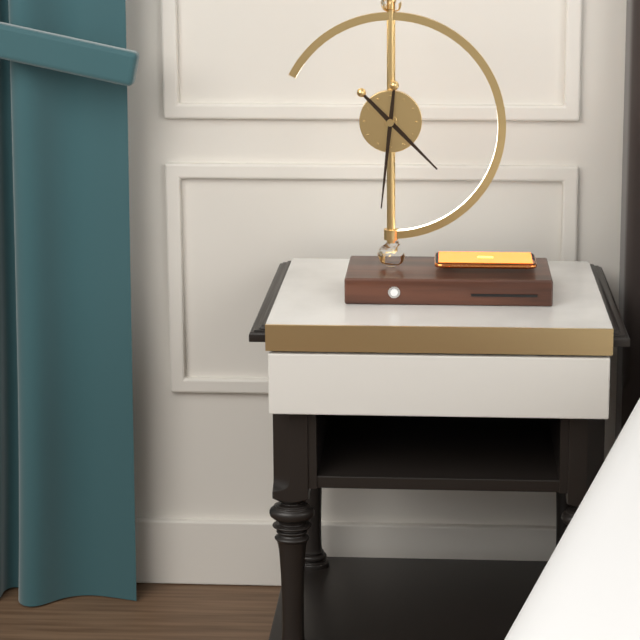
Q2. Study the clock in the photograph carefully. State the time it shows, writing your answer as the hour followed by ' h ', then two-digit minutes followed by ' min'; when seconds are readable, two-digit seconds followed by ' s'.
4 h 31 min
